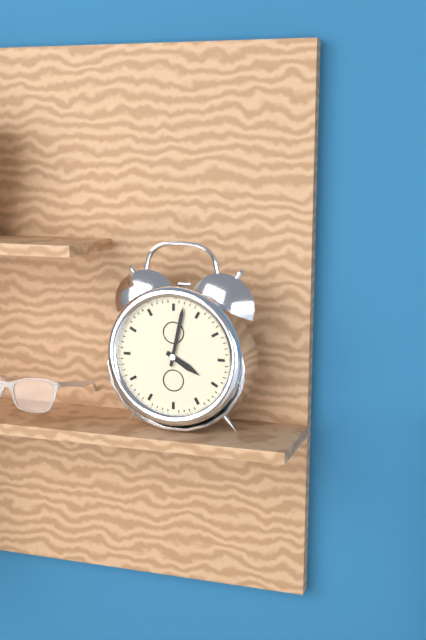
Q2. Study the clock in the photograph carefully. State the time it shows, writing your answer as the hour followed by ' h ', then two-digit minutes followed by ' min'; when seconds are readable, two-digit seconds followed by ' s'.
4 h 02 min
